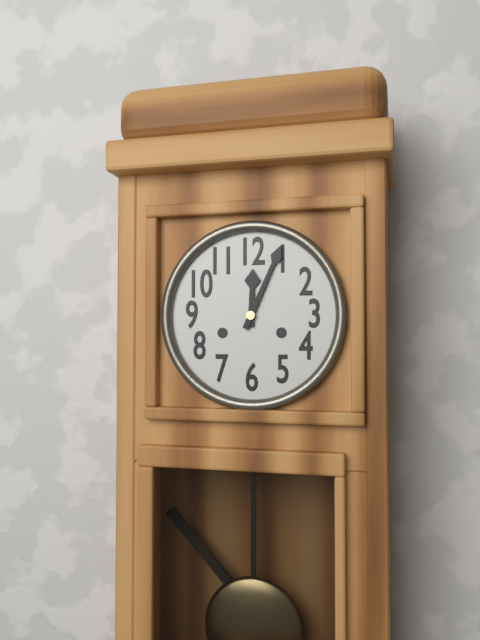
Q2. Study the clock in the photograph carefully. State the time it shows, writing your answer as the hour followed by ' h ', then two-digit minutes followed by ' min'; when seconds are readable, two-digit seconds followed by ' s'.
12 h 04 min
